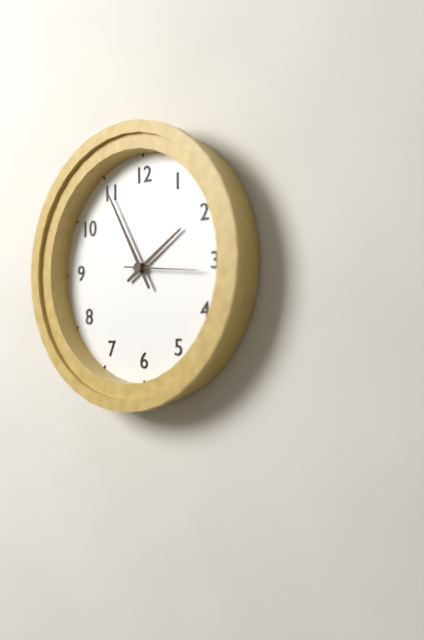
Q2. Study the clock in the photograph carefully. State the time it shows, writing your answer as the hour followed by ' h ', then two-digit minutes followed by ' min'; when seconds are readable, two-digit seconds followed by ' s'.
1 h 55 min 16 s
